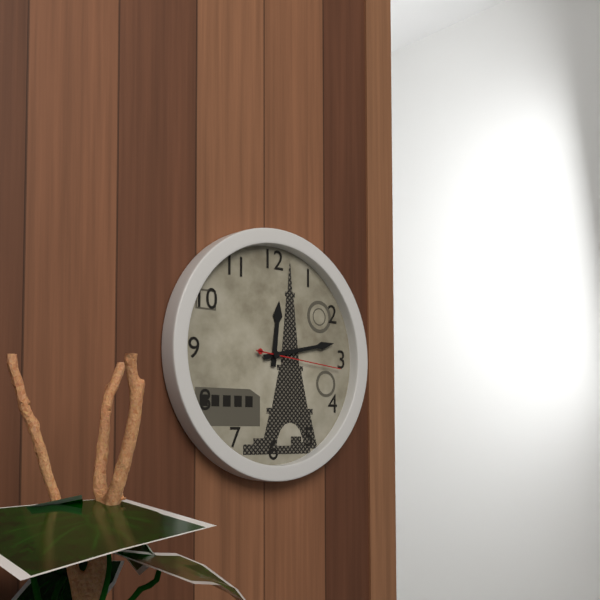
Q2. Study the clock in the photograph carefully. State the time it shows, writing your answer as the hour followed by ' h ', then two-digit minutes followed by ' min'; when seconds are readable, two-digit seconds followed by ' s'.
12 h 13 min 16 s
